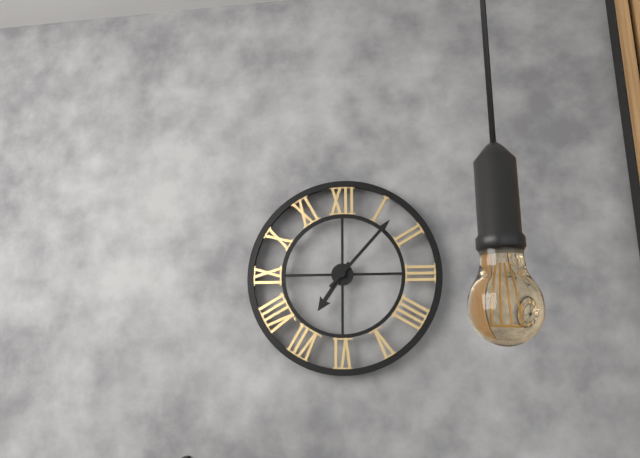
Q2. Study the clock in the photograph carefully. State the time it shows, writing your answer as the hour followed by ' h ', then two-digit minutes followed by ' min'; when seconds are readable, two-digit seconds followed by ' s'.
7 h 07 min
